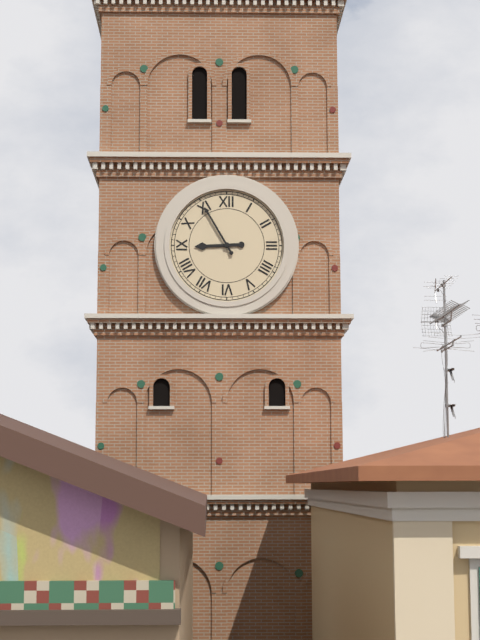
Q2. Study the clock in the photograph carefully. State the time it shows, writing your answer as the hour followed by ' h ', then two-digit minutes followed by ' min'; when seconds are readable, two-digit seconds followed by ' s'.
8 h 55 min
